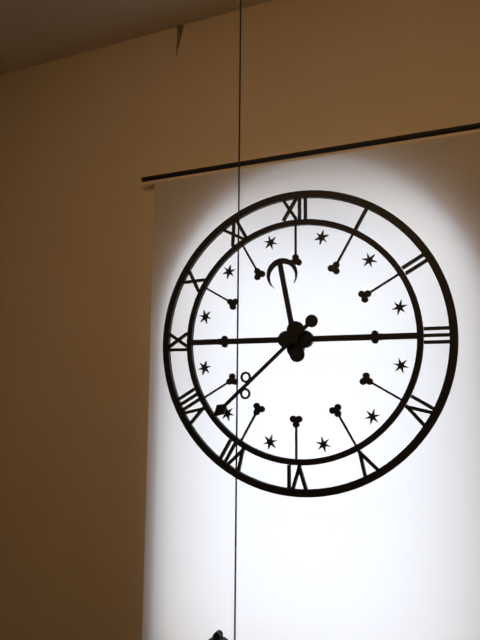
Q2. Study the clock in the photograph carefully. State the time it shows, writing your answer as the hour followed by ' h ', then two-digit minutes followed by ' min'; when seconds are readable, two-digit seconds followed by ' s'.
11 h 38 min
